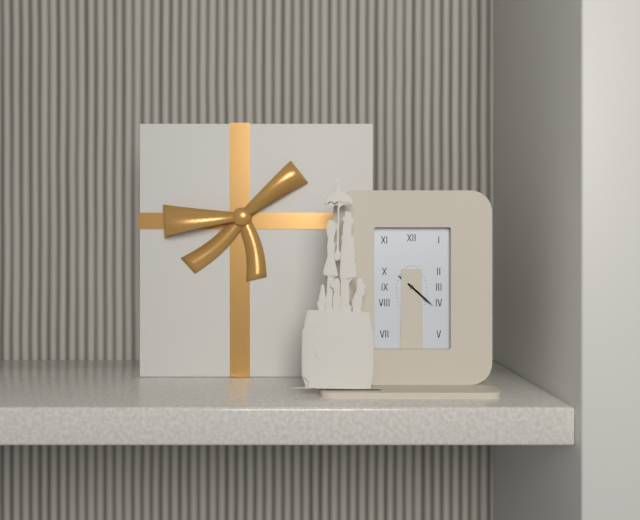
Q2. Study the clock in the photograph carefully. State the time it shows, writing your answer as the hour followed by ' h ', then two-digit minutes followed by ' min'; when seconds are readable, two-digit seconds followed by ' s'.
10 h 22 min
